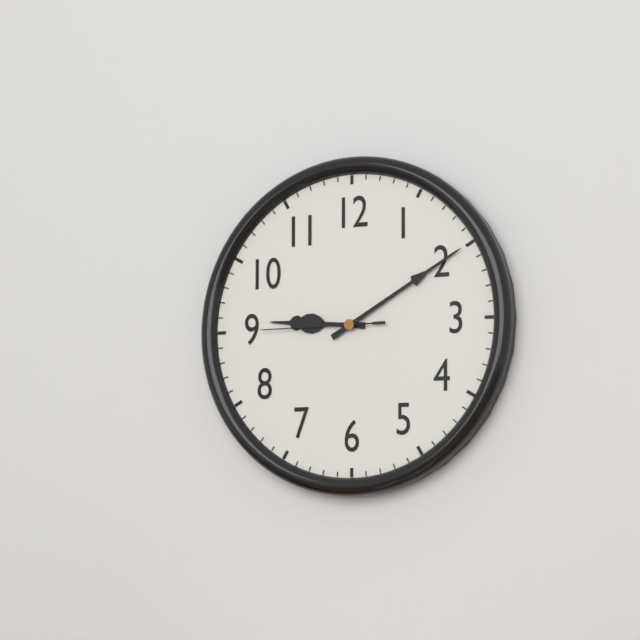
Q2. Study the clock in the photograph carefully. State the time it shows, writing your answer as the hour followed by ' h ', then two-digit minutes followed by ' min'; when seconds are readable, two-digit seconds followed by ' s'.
9 h 10 min 45 s
